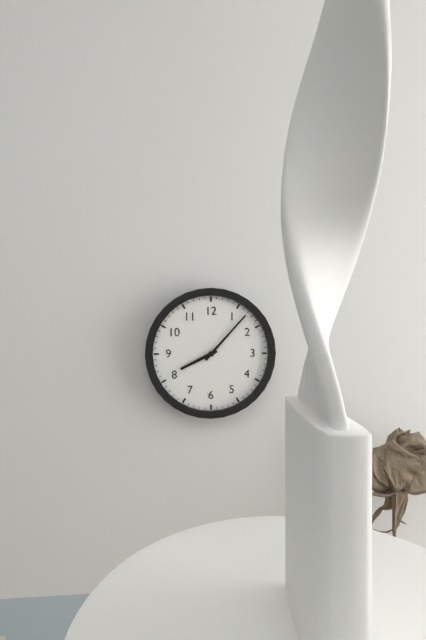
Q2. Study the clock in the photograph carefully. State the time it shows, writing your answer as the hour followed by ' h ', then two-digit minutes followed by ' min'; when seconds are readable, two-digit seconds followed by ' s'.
8 h 07 min
